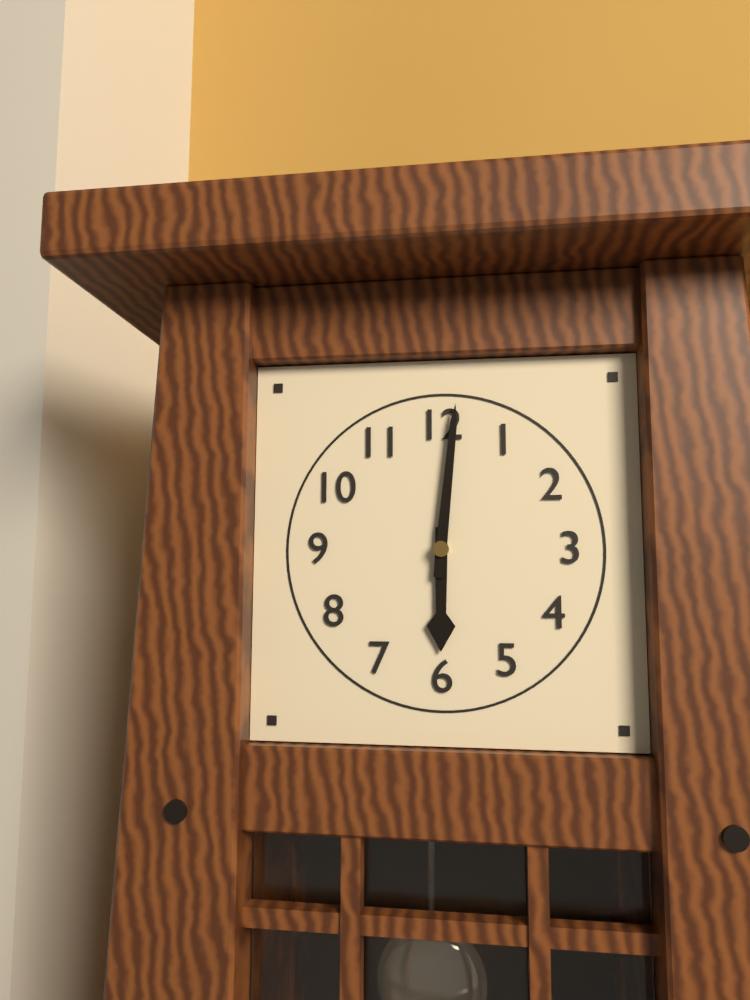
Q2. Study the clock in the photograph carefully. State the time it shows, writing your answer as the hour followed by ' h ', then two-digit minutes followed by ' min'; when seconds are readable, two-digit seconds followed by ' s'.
6 h 01 min
